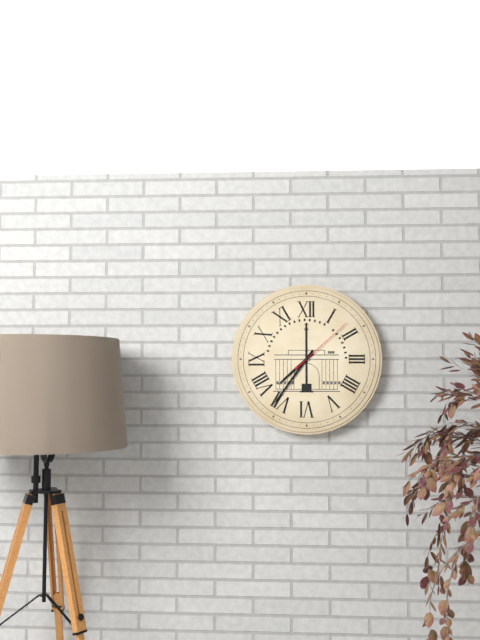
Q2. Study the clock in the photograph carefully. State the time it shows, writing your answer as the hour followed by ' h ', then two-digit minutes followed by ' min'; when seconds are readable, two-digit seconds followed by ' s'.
7 h 36 min 08 s
